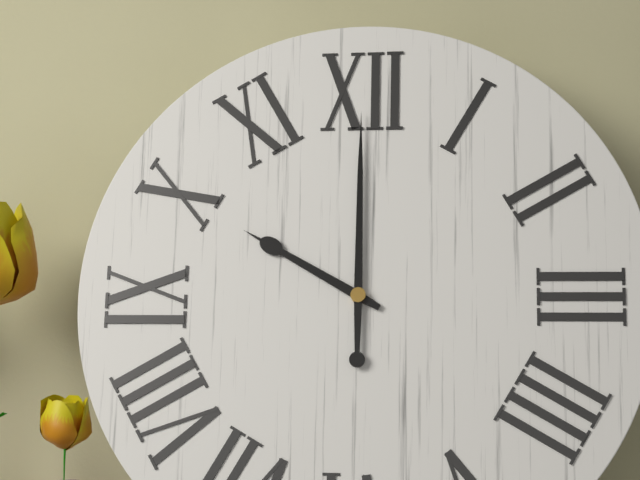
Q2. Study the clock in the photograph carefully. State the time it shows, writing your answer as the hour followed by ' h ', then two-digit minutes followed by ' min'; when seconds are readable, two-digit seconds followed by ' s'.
10 h 00 min
